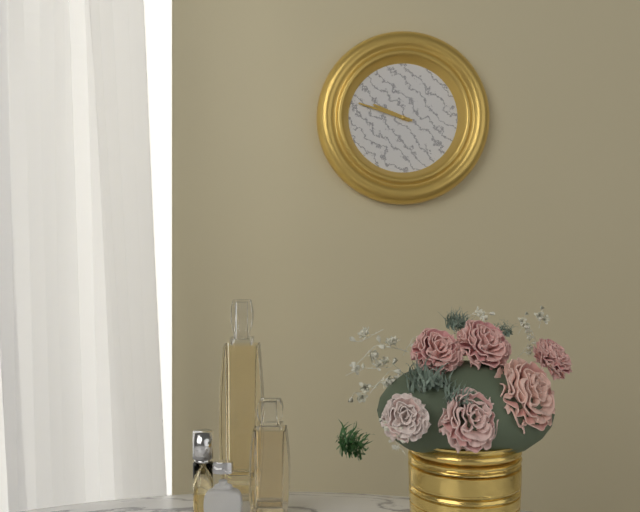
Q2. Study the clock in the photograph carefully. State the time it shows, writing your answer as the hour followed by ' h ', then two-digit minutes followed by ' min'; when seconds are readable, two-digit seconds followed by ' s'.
9 h 48 min
